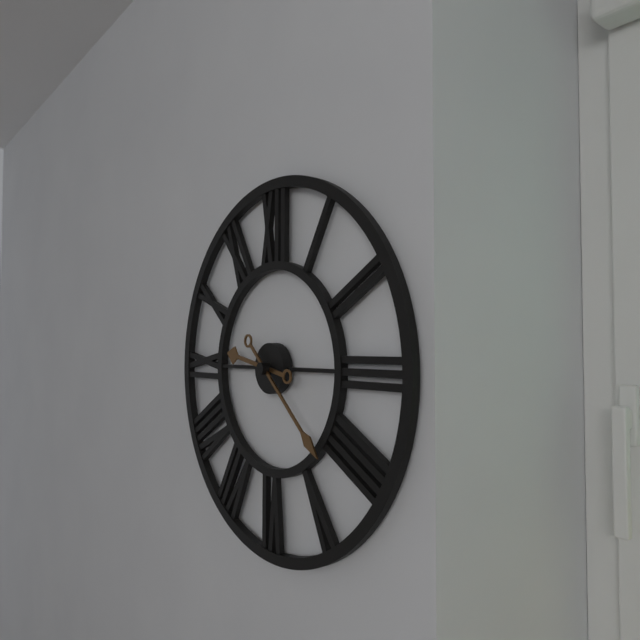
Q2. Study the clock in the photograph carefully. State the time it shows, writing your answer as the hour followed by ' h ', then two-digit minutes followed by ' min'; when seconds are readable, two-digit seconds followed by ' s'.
9 h 22 min
